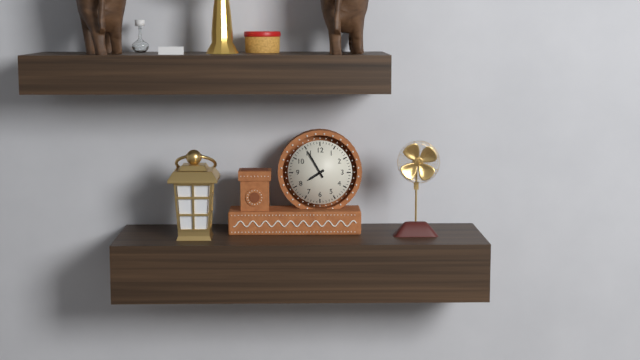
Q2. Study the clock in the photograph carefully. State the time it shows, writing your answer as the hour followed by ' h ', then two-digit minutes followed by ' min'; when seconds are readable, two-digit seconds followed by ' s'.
7 h 55 min
